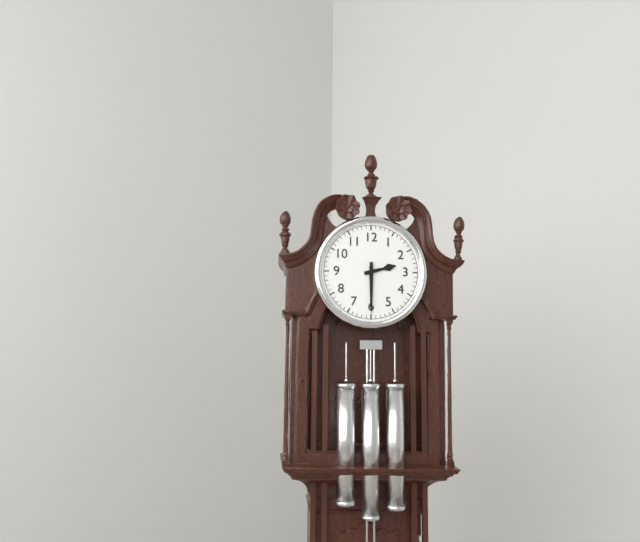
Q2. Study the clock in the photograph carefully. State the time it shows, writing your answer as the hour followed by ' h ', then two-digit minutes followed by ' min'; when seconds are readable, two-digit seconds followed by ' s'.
2 h 30 min
